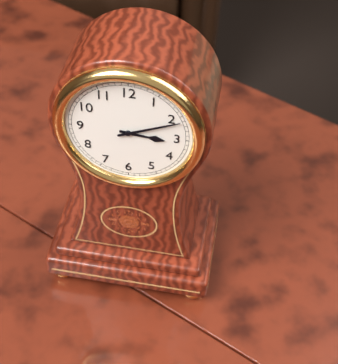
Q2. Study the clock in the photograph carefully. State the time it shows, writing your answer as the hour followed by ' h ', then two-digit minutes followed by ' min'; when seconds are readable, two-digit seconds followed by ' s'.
3 h 11 min
